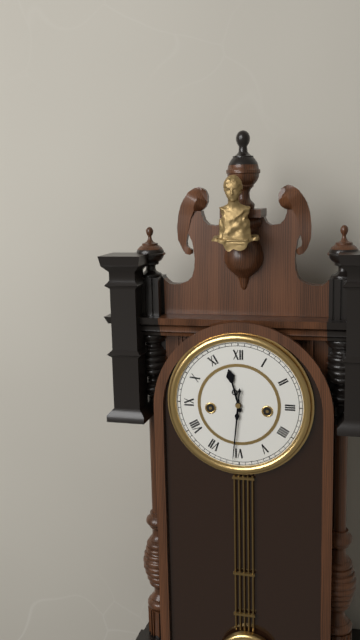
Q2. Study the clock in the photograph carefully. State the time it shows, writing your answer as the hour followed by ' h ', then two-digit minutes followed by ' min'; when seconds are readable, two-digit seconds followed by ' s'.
11 h 31 min
